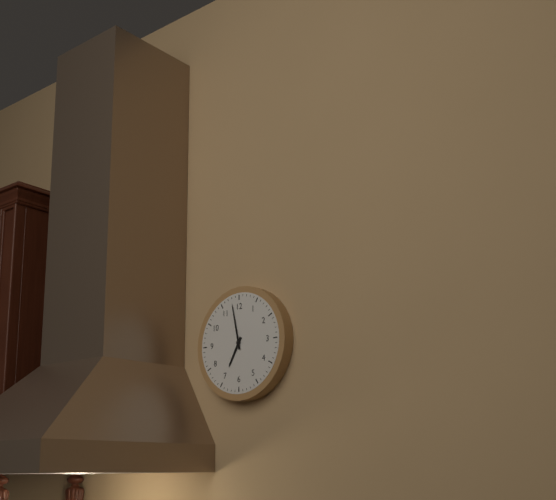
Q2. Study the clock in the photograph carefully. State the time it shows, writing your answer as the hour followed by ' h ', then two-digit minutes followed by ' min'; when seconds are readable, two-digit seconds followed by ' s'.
6 h 58 min
